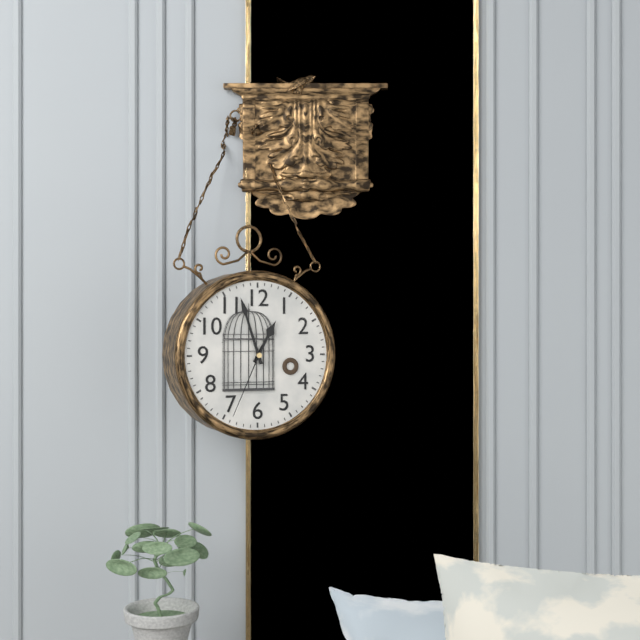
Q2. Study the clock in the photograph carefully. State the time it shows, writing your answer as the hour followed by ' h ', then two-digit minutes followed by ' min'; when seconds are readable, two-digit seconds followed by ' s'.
12 h 57 min 34 s
